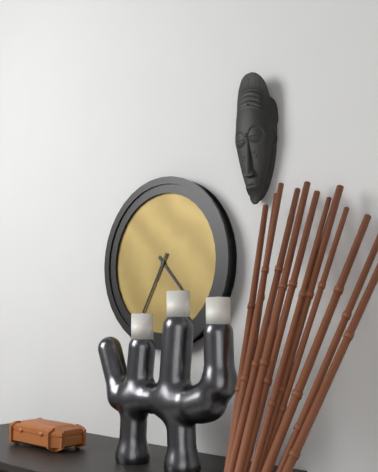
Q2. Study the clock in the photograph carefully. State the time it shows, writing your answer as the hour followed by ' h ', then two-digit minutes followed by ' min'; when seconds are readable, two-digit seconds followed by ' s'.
4 h 35 min
